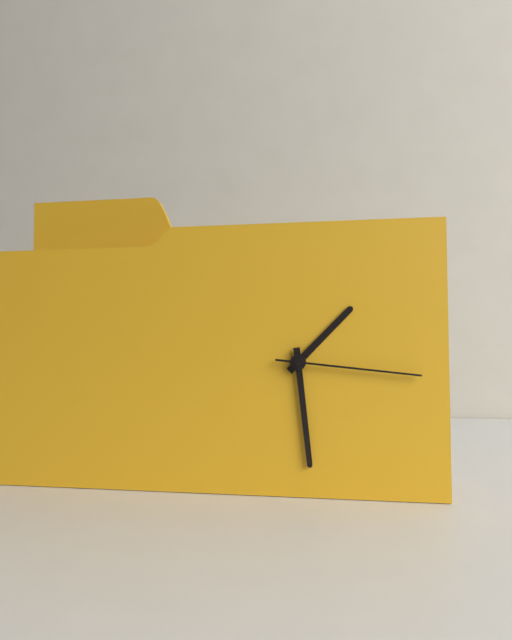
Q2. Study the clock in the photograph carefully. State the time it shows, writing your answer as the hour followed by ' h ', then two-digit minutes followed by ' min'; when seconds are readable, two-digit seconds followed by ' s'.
1 h 29 min 16 s
